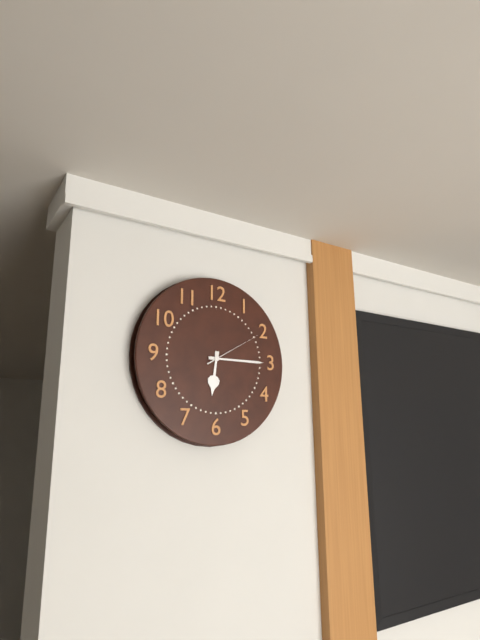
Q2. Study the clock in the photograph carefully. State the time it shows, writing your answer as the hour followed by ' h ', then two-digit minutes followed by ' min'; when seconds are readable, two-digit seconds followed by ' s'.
6 h 15 min 10 s
